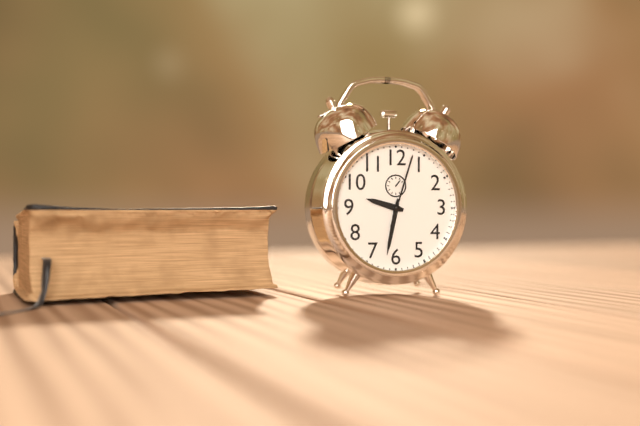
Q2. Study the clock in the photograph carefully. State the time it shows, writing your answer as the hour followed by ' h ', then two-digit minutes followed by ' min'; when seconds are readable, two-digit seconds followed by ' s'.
9 h 32 min 03 s
